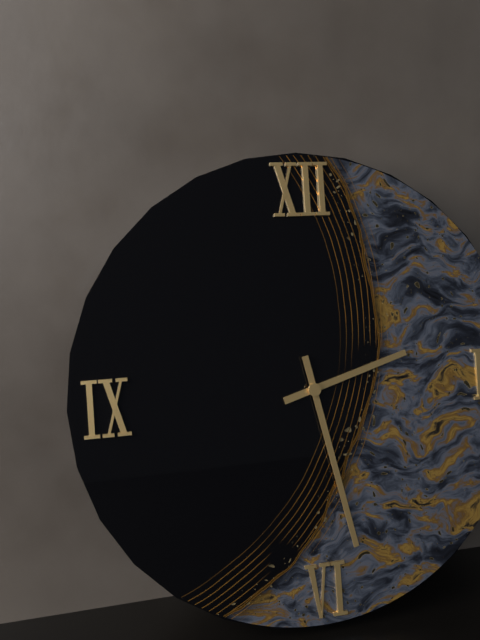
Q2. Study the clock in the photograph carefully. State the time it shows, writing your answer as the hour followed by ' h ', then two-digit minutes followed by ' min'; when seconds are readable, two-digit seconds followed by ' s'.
2 h 28 min
